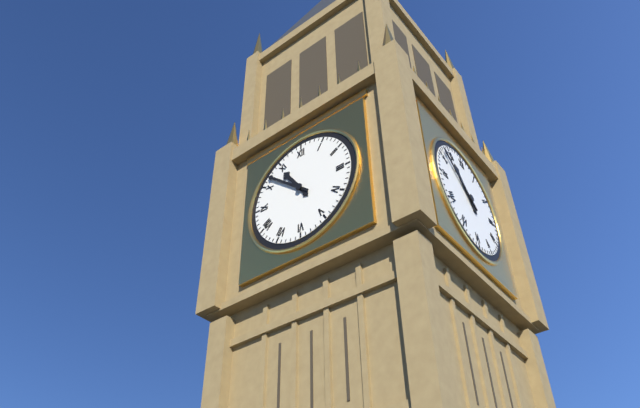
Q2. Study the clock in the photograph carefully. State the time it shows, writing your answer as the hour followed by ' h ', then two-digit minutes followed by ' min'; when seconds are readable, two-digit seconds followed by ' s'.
10 h 52 min
